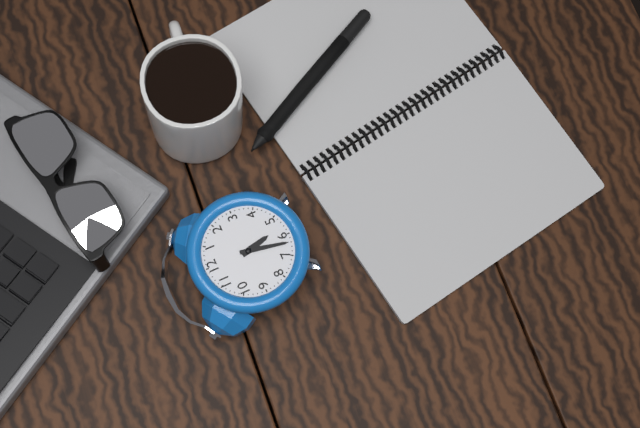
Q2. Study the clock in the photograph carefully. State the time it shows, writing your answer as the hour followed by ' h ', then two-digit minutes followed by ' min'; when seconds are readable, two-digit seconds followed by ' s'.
5 h 32 min
